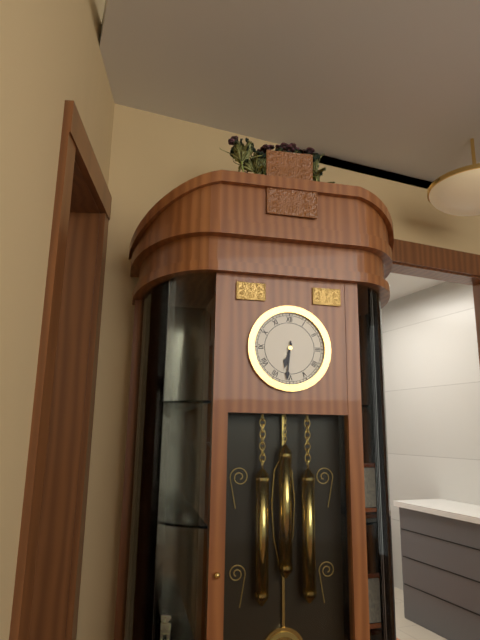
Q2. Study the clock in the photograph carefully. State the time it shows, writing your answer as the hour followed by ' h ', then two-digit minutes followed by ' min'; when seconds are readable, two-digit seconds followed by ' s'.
6 h 31 min
